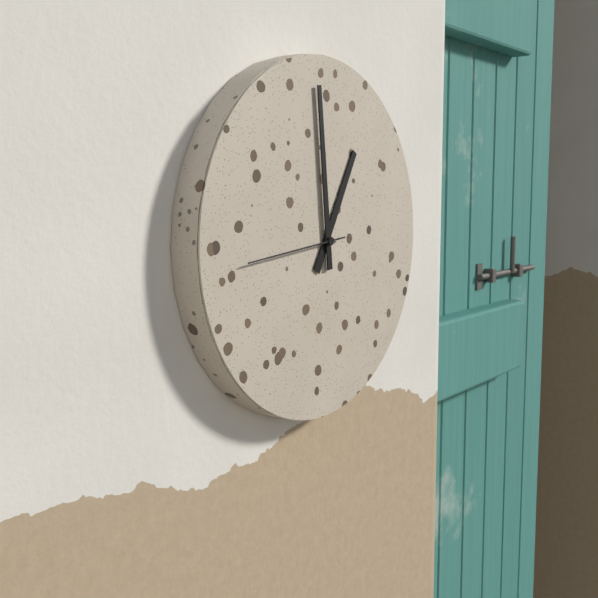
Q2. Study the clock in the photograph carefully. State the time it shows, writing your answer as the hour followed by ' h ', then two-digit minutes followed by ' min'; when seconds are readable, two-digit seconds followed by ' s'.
12 h 59 min 44 s
